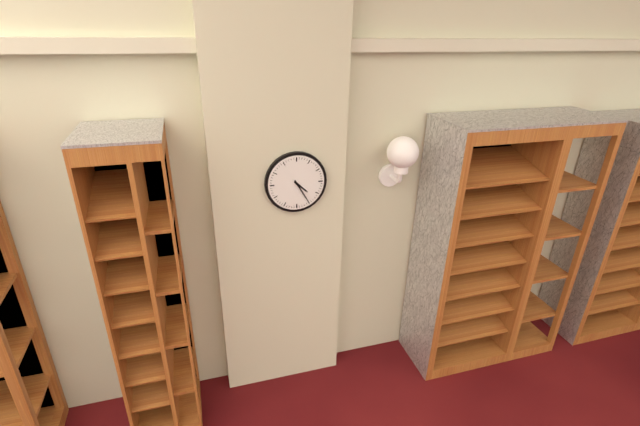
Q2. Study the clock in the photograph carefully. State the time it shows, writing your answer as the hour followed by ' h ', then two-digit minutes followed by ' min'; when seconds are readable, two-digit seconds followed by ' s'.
4 h 25 min
